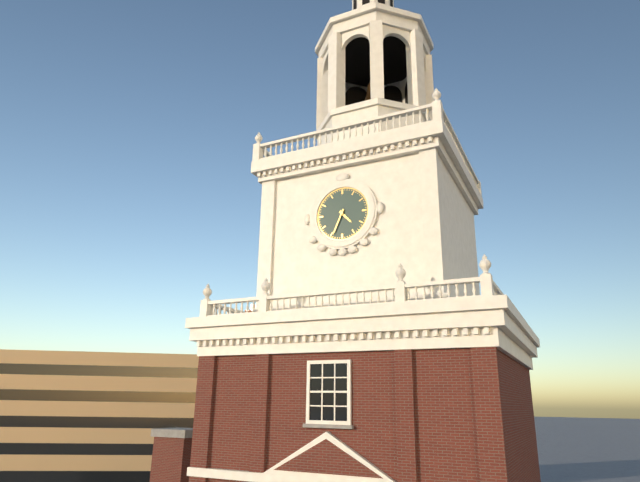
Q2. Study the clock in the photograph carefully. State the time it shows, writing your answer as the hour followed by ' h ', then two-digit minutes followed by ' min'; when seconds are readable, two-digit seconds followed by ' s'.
4 h 34 min
